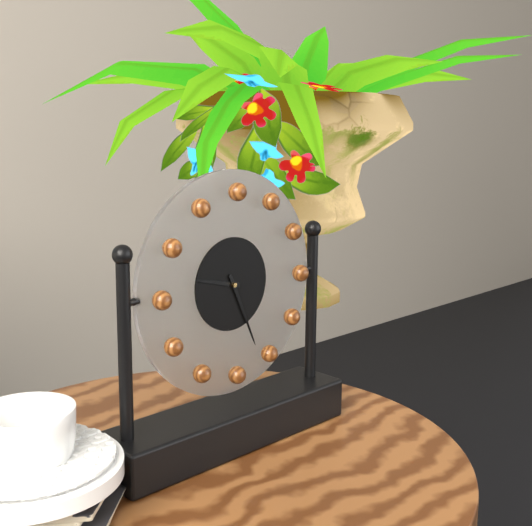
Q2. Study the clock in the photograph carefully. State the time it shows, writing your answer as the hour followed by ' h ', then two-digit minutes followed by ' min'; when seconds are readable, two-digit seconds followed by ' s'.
9 h 26 min
